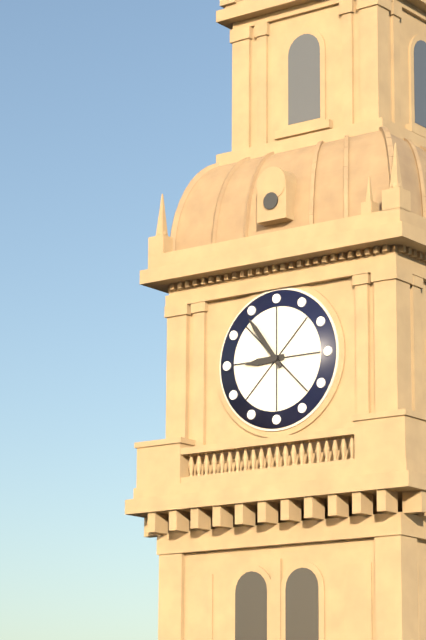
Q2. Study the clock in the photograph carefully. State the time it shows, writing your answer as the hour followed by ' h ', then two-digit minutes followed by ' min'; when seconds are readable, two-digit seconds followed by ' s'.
8 h 54 min
